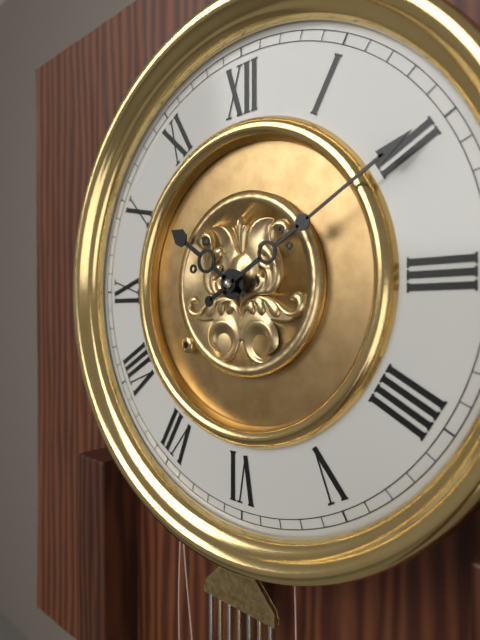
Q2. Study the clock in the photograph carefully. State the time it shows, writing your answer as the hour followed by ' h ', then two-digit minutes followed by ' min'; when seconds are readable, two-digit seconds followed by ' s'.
10 h 10 min
